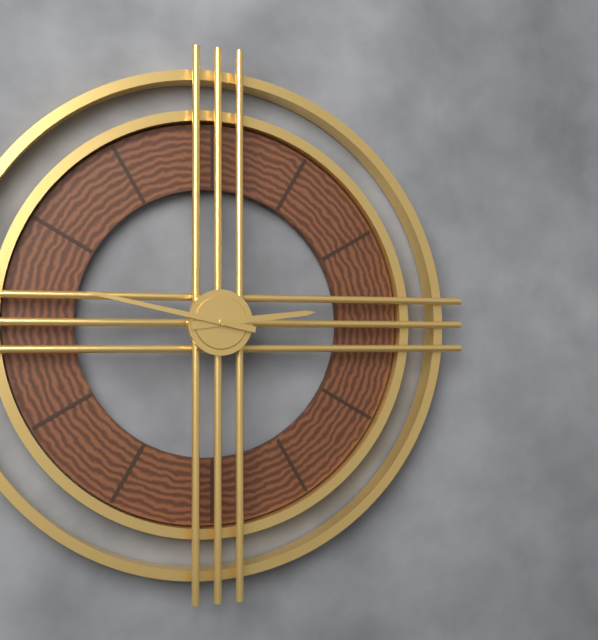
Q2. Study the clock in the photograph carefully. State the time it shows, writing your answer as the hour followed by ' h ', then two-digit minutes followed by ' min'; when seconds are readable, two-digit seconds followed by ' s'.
2 h 47 min
